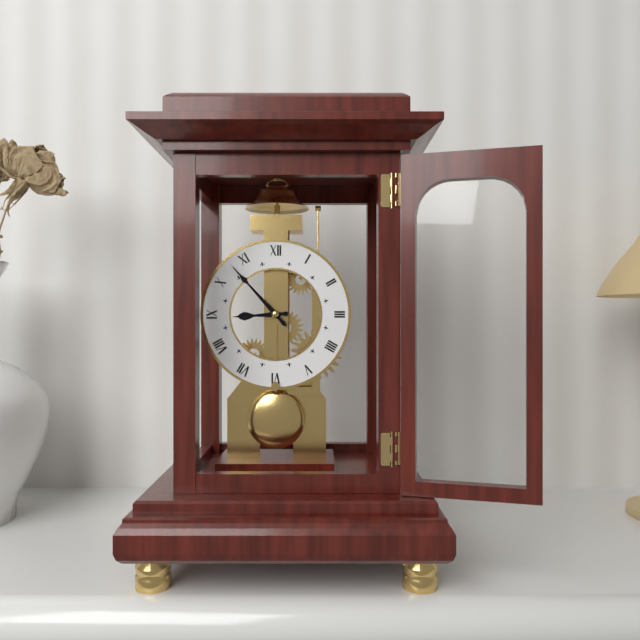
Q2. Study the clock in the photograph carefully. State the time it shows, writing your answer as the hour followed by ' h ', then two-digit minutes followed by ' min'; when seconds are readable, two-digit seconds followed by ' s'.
8 h 53 min
